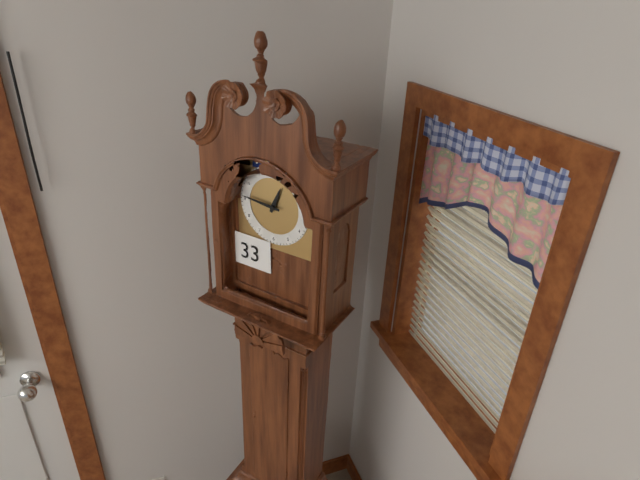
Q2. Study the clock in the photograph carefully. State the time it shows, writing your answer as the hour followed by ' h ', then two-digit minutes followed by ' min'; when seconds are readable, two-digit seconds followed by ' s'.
12 h 46 min
